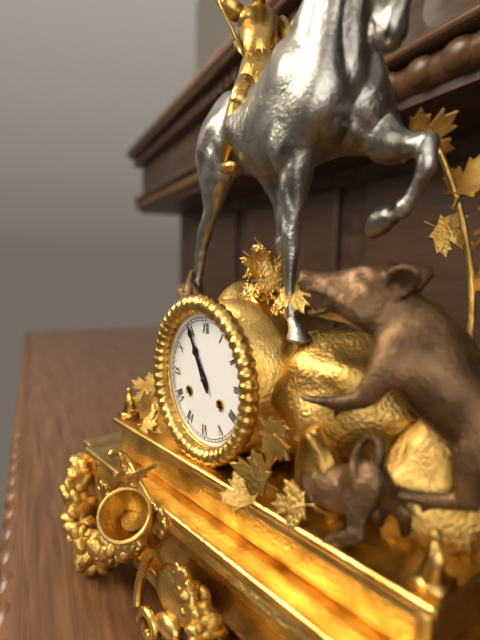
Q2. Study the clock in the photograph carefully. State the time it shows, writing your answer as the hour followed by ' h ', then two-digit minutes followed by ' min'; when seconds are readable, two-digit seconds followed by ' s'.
10 h 55 min
